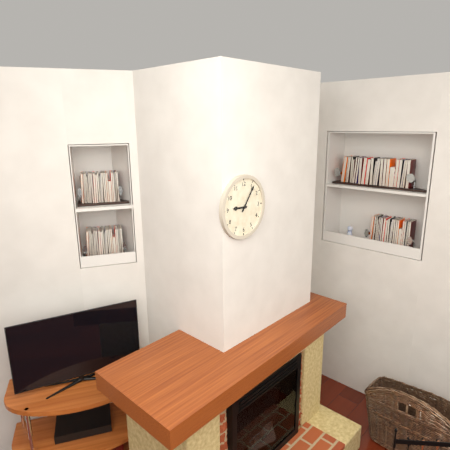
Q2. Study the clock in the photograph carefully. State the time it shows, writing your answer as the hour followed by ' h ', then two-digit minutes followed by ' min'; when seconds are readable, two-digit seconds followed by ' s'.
9 h 06 min
